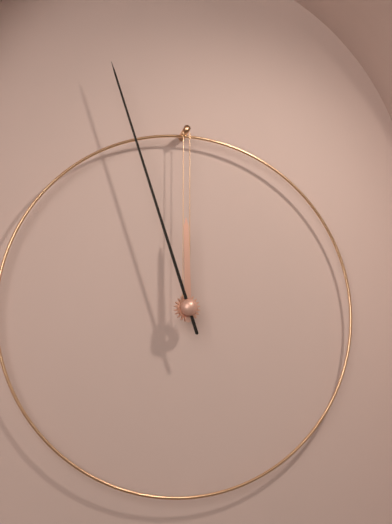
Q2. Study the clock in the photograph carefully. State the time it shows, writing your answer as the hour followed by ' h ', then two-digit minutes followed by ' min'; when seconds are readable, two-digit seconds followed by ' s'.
11 h 57 min
